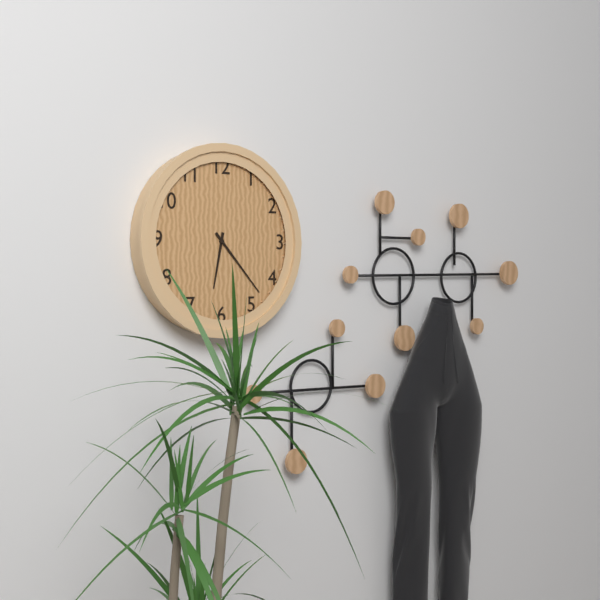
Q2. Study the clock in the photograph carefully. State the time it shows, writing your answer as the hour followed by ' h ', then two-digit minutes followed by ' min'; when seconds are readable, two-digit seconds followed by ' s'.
6 h 23 min
